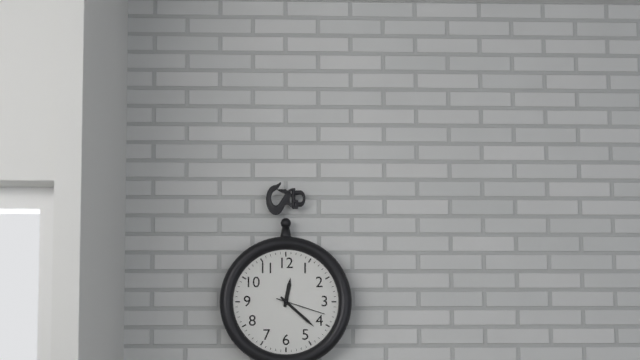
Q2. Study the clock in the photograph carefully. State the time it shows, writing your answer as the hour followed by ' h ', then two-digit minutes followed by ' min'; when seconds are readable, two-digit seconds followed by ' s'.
12 h 22 min 18 s
